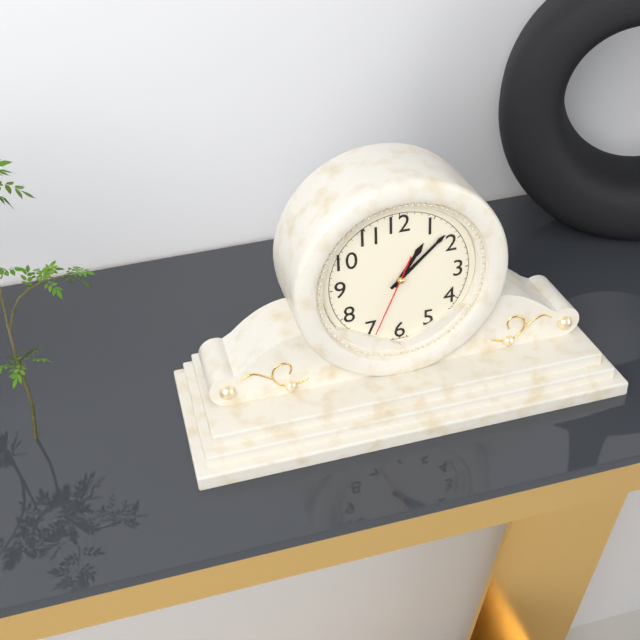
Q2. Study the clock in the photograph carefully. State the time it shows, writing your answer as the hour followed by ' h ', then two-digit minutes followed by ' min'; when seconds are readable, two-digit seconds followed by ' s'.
1 h 08 min 34 s
